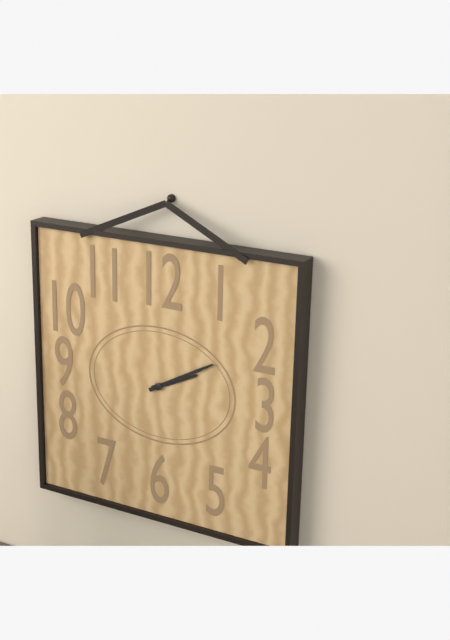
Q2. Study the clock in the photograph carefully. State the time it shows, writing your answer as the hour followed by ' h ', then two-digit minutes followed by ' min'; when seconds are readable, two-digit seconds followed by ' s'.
2 h 10 min
